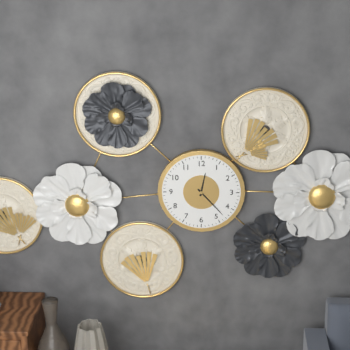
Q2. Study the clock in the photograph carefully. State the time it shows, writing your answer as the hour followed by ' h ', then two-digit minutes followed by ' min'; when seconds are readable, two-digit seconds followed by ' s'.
12 h 23 min
